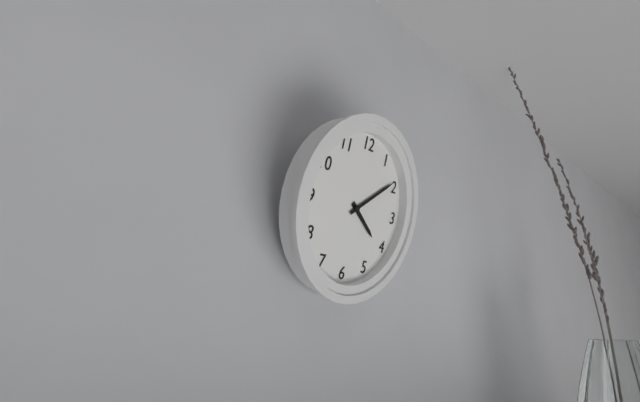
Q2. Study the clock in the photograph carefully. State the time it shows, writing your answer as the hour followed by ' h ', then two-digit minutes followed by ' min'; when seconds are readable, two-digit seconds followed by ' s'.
4 h 09 min
